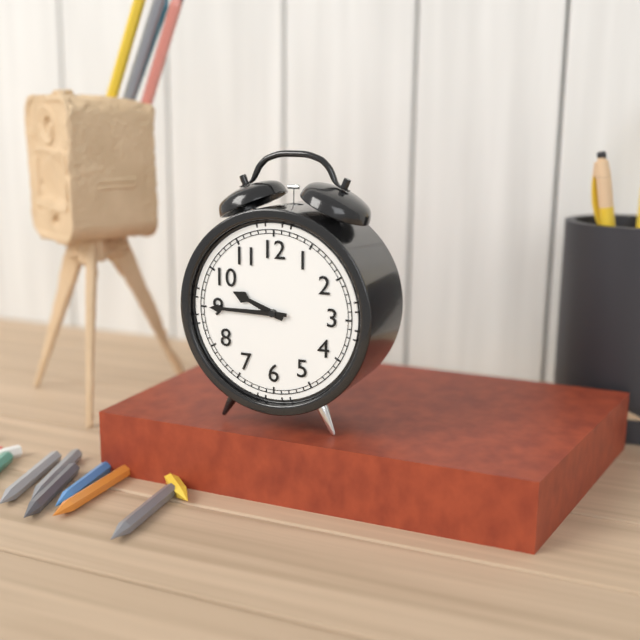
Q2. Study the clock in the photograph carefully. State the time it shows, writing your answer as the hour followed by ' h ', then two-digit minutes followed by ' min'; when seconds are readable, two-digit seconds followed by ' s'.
9 h 45 min
